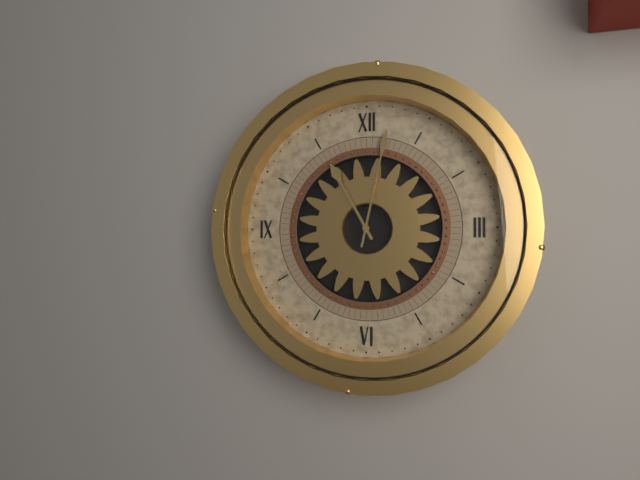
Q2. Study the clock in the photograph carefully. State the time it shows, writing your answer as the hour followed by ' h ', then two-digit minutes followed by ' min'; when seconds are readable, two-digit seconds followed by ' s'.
11 h 02 min
